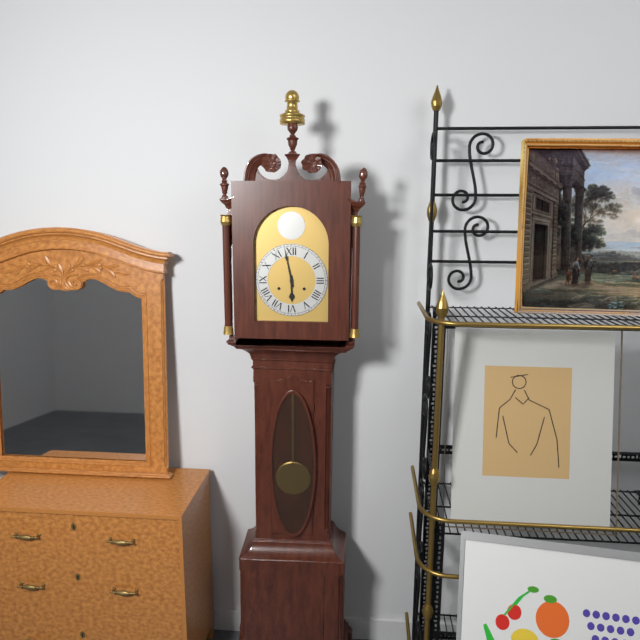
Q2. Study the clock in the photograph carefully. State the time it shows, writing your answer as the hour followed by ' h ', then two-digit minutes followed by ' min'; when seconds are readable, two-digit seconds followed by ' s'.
5 h 58 min
